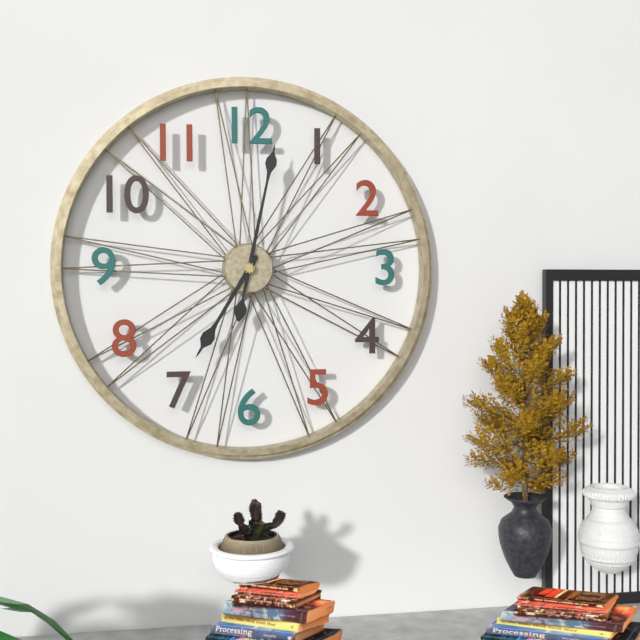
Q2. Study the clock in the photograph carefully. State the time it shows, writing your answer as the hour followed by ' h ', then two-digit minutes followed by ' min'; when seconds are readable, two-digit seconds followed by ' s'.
7 h 02 min
